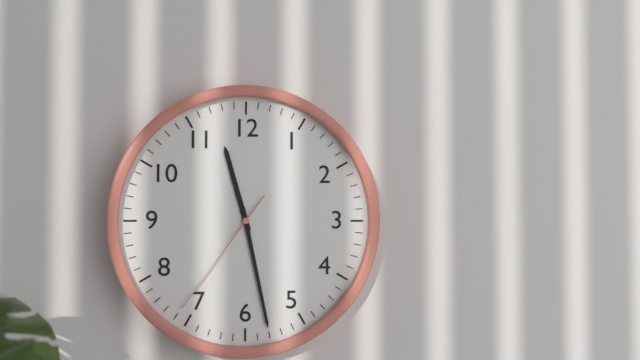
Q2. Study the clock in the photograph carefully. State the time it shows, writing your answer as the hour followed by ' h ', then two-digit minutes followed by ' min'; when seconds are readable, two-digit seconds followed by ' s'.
11 h 28 min 36 s
